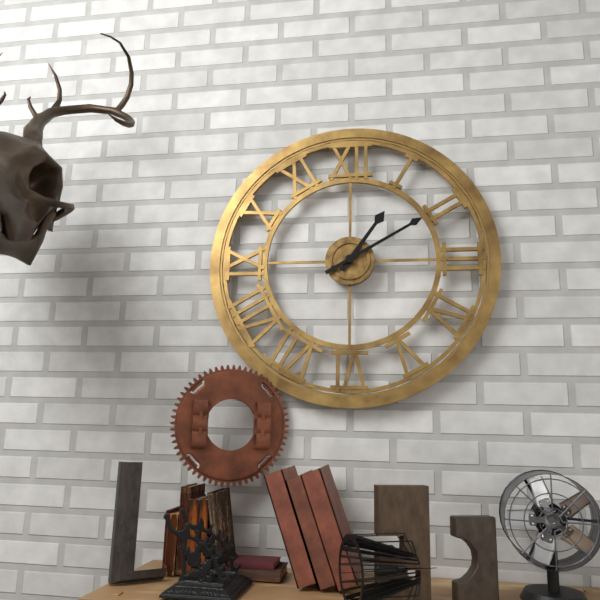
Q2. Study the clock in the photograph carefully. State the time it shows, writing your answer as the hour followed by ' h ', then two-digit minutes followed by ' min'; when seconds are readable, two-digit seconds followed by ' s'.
1 h 10 min
